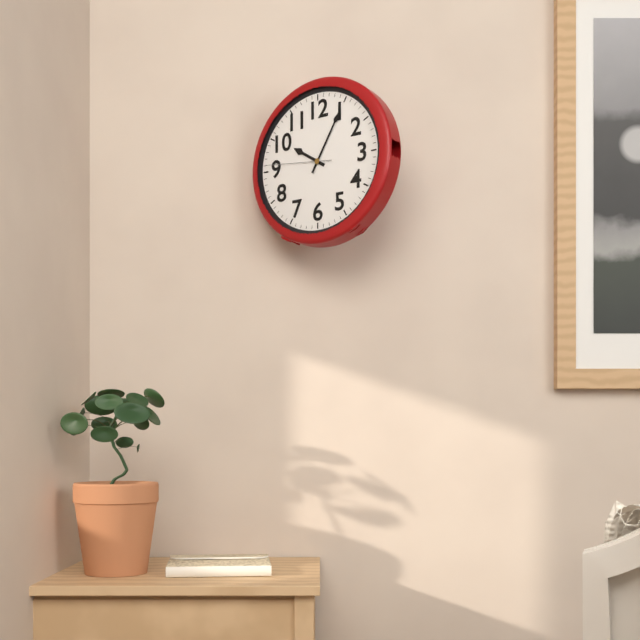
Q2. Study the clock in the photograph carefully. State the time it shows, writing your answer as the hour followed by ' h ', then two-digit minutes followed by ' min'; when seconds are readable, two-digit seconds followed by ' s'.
10 h 05 min 46 s
